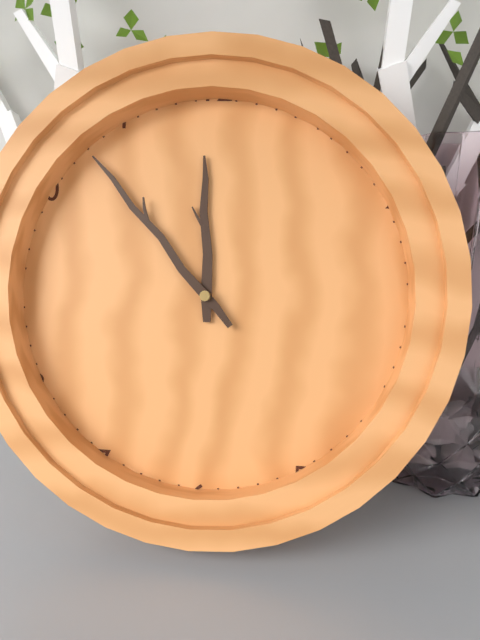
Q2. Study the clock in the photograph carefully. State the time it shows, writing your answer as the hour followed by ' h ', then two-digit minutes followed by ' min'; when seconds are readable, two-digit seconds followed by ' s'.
11 h 53 min
